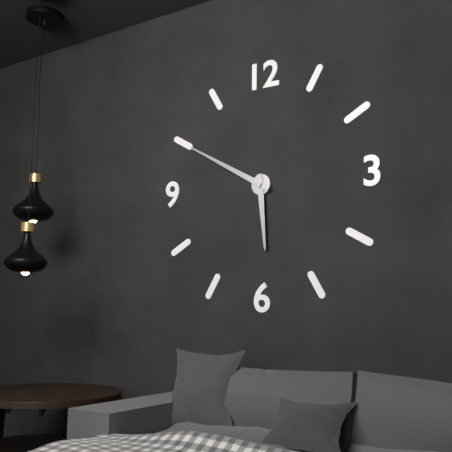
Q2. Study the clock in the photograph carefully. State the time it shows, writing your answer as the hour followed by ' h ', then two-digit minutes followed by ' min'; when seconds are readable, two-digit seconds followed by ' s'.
5 h 50 min
